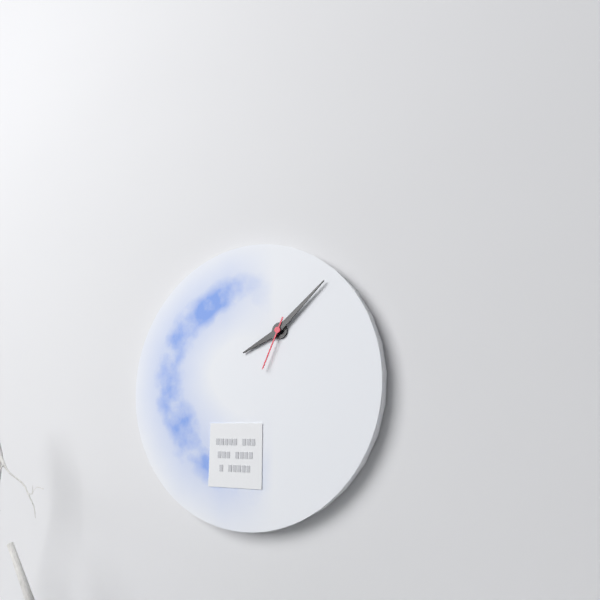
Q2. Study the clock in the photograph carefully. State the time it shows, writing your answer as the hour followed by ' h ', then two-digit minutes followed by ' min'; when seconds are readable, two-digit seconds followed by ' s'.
8 h 08 min 34 s
